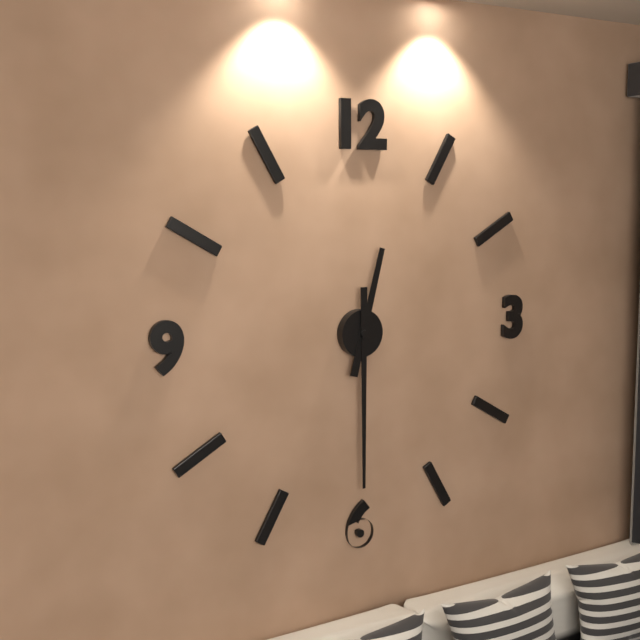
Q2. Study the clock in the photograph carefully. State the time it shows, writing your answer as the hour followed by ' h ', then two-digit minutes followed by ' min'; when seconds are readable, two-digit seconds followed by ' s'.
12 h 30 min
